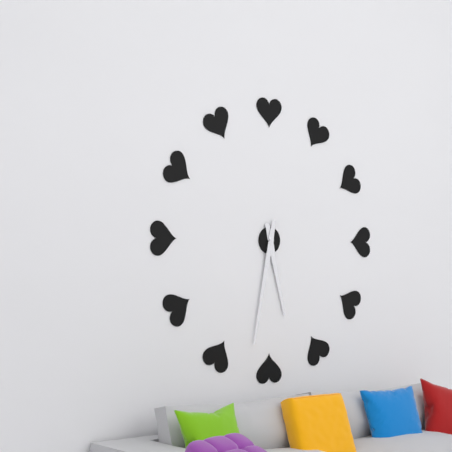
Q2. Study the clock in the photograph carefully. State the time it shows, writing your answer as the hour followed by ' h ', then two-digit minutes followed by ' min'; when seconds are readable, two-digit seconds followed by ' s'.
5 h 32 min
